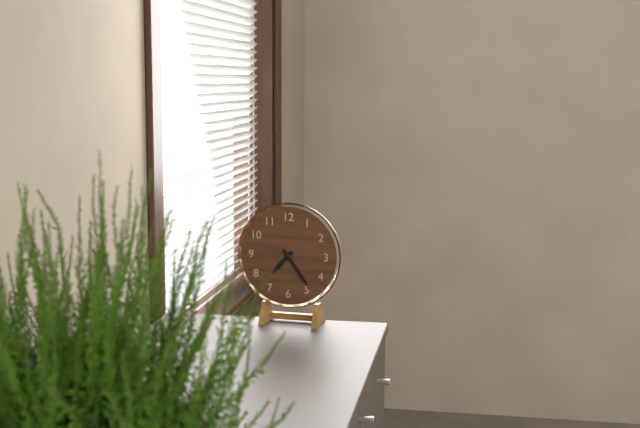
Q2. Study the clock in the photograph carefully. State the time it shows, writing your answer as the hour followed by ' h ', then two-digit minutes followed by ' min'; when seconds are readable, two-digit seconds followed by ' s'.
7 h 24 min
